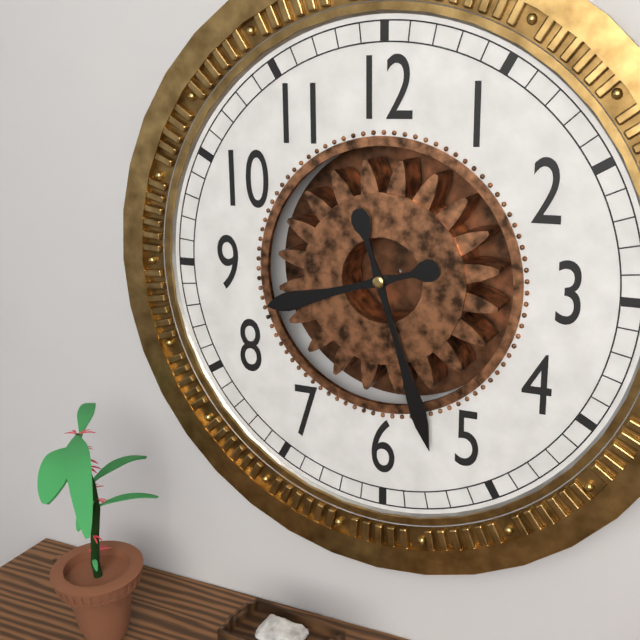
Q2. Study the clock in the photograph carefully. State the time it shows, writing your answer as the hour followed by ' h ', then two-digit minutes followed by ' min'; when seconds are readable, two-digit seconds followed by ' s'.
8 h 27 min
